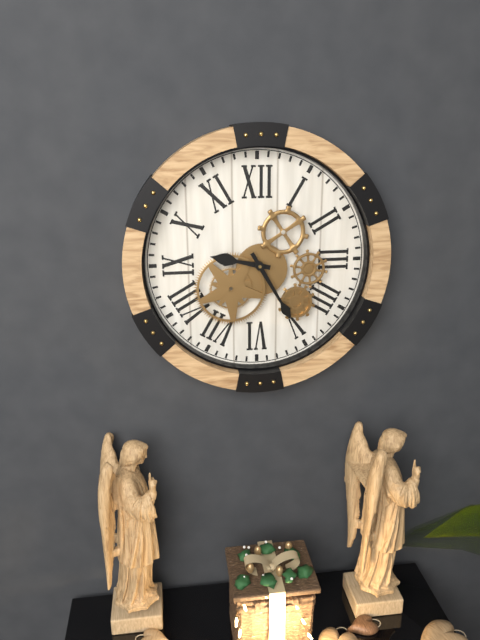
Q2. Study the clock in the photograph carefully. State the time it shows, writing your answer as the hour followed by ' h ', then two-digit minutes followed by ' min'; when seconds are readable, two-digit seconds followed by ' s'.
9 h 25 min
